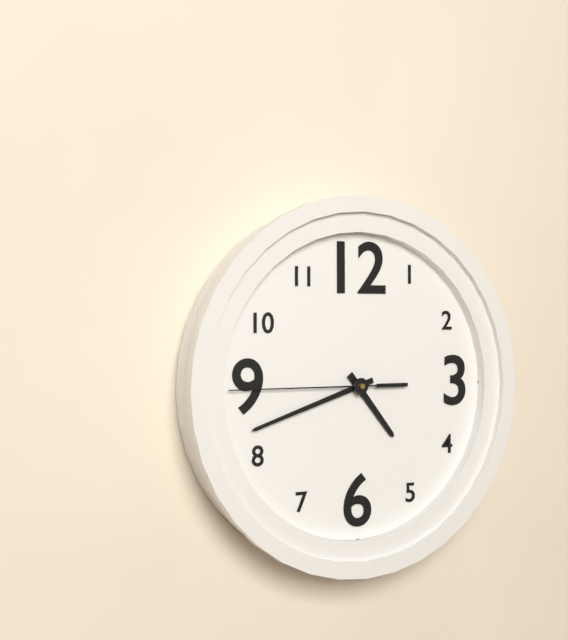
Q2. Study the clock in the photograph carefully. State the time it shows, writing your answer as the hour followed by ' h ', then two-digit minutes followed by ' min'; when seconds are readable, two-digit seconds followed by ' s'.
4 h 42 min 45 s
